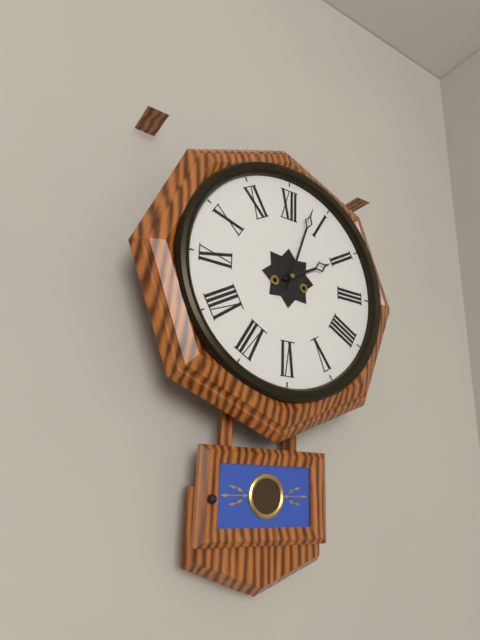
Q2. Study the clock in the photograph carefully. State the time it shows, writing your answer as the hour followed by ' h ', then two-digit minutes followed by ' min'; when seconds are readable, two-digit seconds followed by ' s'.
2 h 03 min
